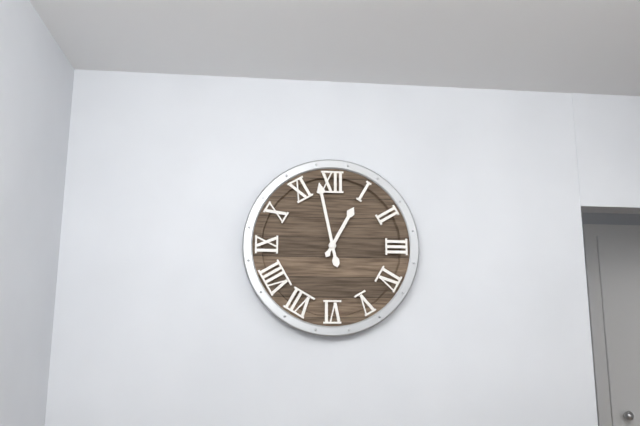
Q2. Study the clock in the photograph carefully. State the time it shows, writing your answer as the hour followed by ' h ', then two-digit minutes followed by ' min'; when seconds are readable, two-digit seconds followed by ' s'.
12 h 58 min
